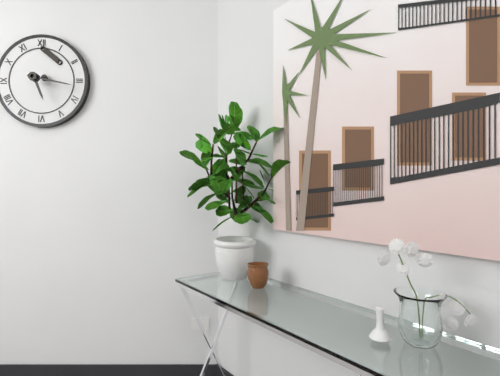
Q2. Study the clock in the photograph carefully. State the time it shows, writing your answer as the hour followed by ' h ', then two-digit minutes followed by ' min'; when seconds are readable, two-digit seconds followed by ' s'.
5 h 17 min
